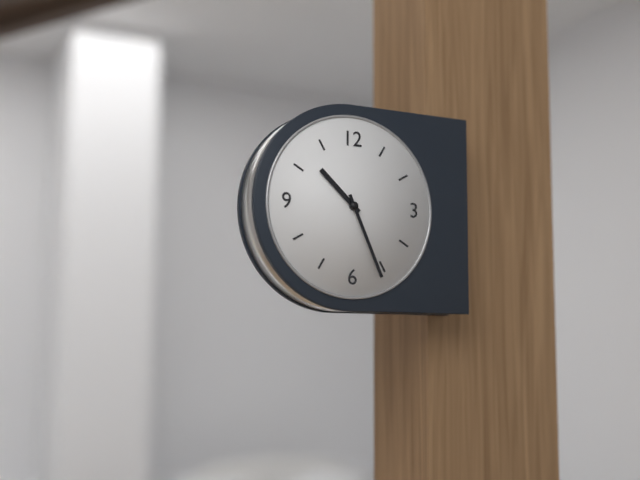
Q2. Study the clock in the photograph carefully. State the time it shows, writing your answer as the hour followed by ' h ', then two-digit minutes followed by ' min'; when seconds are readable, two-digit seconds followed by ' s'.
10 h 26 min
